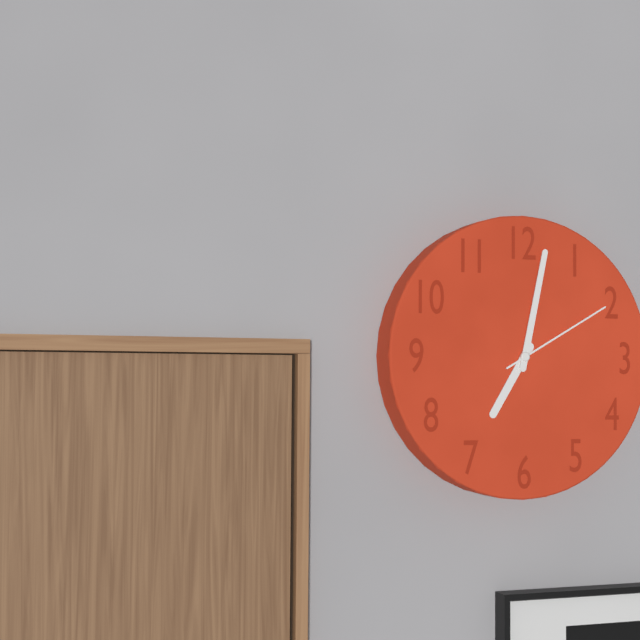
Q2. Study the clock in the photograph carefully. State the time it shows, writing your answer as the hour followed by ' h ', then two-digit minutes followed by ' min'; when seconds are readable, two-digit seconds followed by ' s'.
7 h 02 min 10 s
